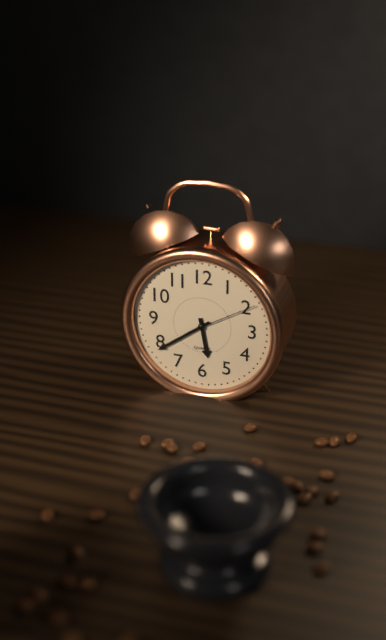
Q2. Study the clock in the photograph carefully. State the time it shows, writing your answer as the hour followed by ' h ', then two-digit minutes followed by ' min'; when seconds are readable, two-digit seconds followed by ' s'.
5 h 39 min 10 s
